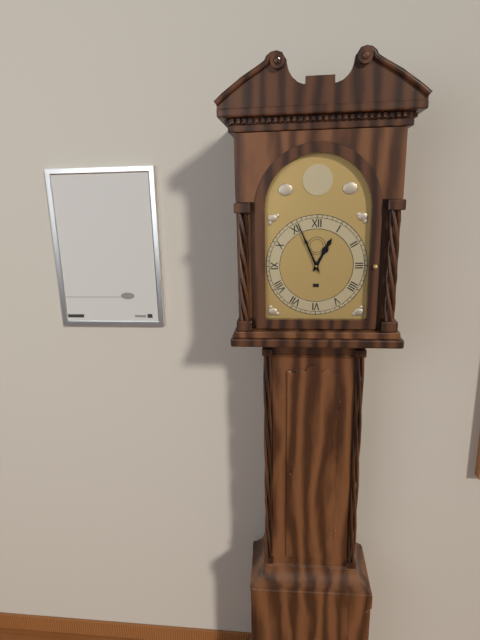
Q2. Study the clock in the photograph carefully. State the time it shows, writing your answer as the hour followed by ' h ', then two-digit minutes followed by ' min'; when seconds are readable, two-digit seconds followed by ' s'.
12 h 56 min
